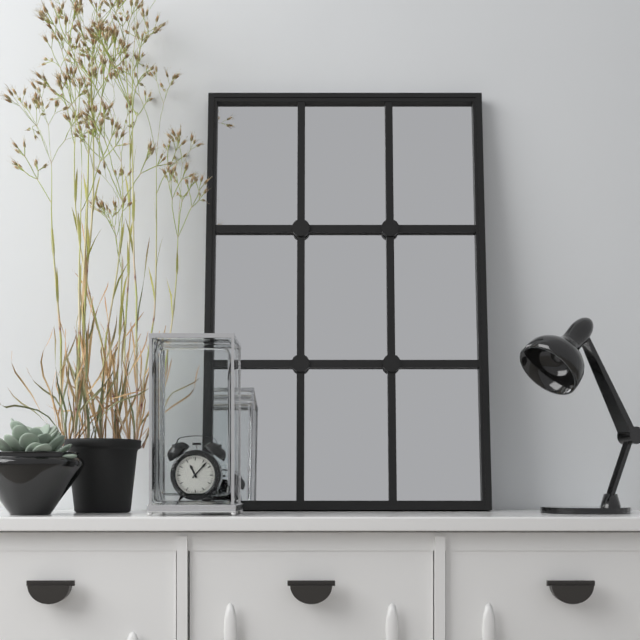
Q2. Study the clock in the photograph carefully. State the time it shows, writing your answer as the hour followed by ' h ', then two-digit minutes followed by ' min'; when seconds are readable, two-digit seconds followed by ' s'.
11 h 07 min
